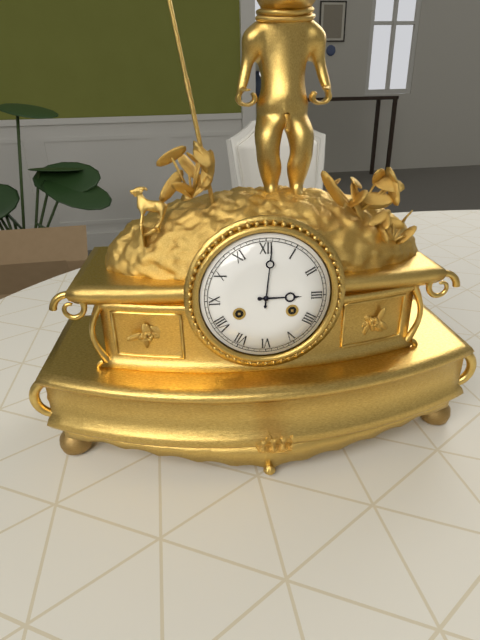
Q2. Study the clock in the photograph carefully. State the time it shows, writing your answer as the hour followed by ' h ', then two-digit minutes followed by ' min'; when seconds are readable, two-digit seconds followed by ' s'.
3 h 01 min
